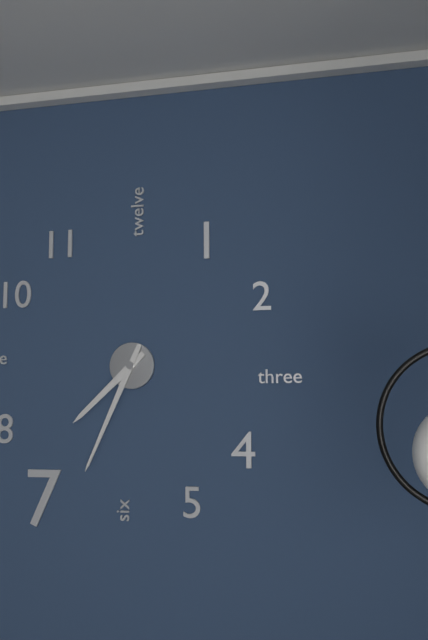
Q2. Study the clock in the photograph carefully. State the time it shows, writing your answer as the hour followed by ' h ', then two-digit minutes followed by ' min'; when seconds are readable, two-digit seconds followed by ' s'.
7 h 34 min
